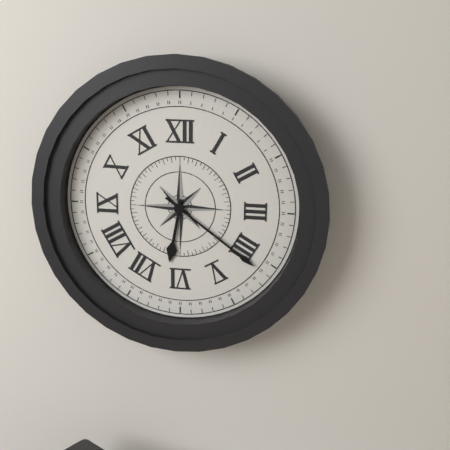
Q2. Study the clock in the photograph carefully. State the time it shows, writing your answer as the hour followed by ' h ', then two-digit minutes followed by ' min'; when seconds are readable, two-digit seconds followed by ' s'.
6 h 21 min
